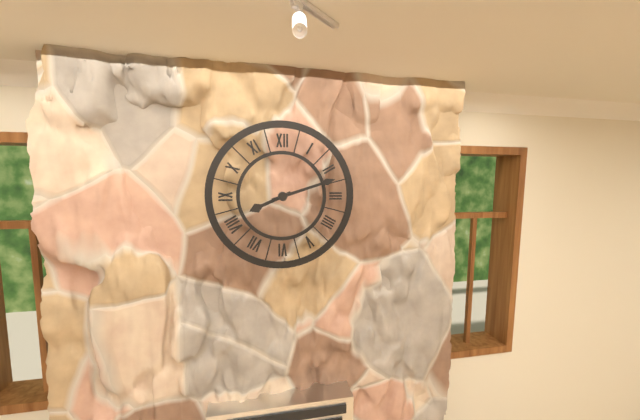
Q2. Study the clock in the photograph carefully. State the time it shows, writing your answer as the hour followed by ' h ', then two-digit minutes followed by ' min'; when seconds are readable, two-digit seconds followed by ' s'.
8 h 12 min
